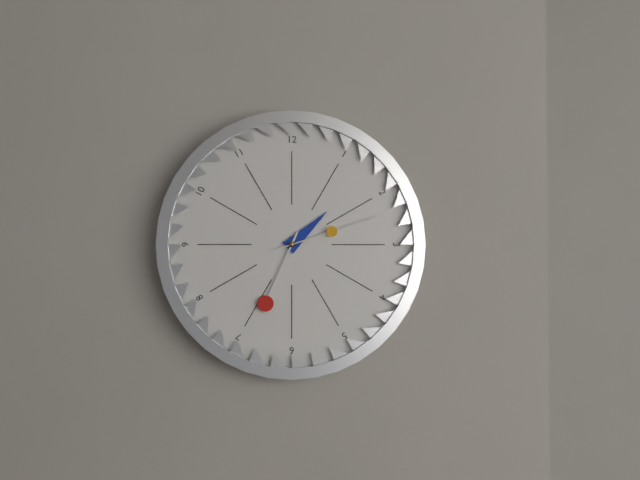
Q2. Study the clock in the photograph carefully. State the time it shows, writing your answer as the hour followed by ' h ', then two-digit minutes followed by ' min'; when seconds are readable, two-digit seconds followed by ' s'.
1 h 34 min 12 s
